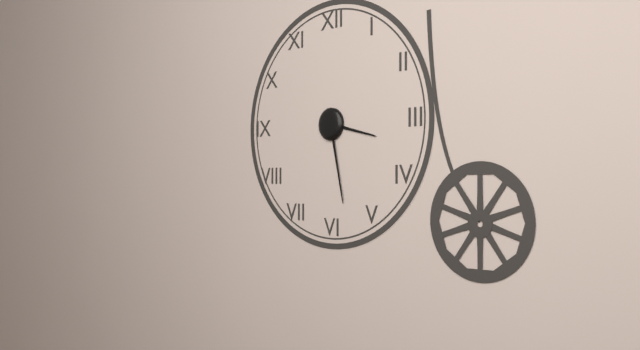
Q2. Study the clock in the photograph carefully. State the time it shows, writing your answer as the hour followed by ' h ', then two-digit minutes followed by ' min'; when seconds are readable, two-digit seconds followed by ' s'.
3 h 28 min
